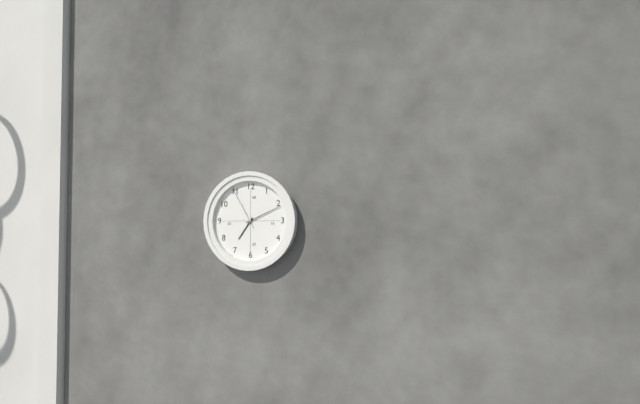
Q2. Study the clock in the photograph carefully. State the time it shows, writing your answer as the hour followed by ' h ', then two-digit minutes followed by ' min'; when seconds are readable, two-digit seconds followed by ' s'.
7 h 11 min
